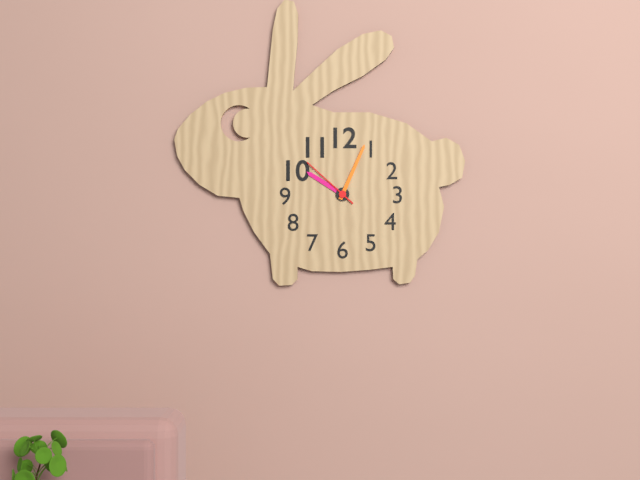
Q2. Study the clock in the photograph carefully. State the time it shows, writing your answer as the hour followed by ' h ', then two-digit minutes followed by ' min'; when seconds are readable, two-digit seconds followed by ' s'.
10 h 04 min 52 s
